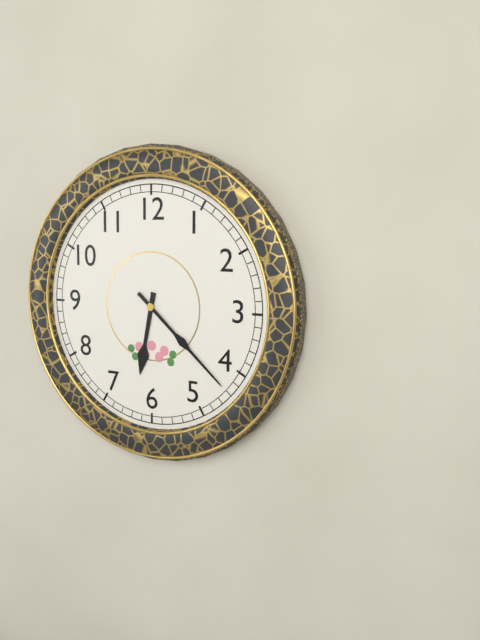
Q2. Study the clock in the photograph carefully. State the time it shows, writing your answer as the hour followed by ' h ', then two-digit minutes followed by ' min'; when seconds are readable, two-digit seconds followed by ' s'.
6 h 22 min
